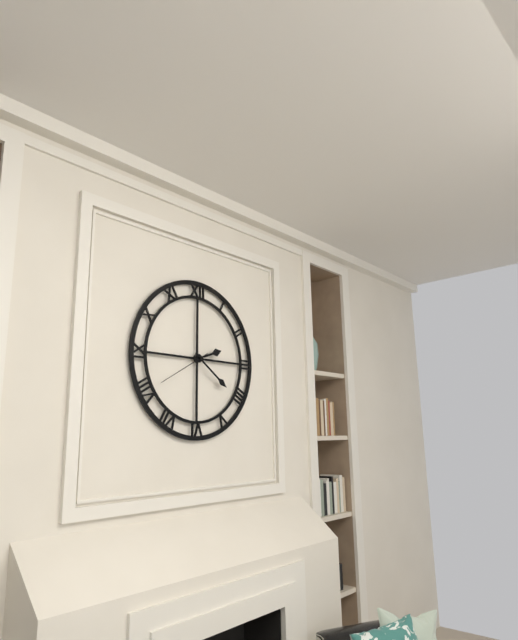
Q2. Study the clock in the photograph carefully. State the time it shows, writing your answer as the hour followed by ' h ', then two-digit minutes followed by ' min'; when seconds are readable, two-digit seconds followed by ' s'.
2 h 21 min 40 s
